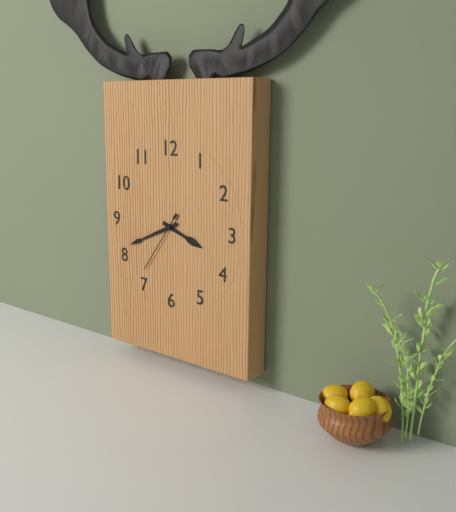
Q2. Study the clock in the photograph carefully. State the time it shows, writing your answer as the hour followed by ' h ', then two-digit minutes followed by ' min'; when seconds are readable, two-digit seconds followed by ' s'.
3 h 41 min 36 s
